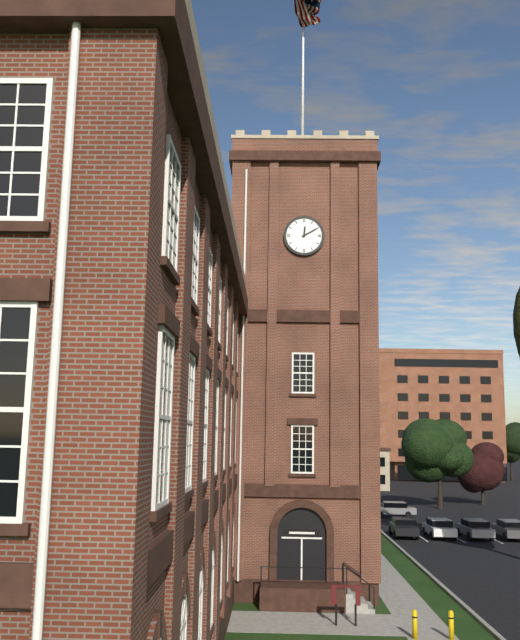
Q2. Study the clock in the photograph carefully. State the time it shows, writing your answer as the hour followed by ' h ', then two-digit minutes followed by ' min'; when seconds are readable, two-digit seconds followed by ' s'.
12 h 10 min
